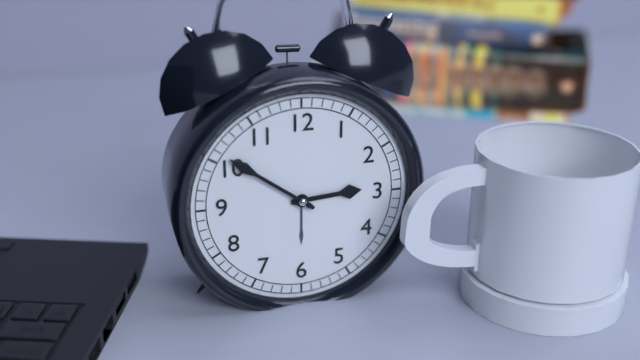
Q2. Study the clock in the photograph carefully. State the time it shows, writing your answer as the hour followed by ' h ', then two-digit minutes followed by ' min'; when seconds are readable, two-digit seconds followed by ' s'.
2 h 51 min
